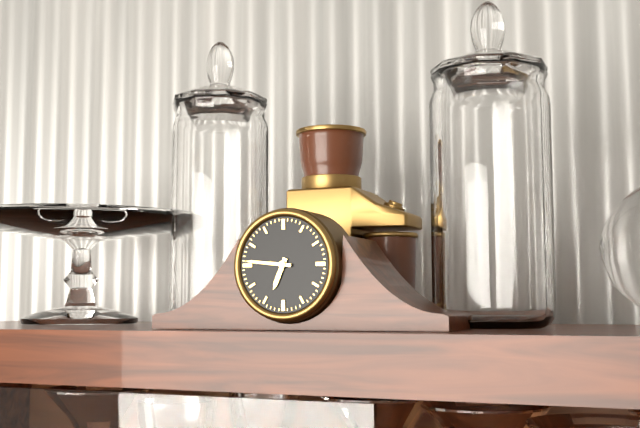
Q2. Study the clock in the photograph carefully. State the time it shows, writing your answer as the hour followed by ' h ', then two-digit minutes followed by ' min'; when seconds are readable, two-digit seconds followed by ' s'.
6 h 46 min
